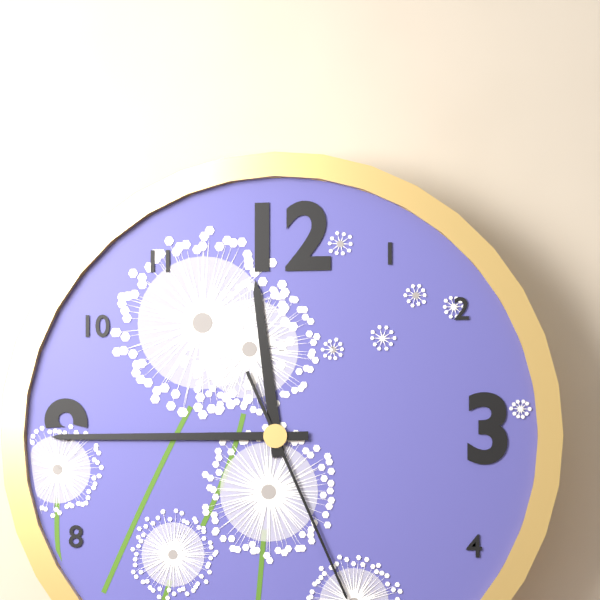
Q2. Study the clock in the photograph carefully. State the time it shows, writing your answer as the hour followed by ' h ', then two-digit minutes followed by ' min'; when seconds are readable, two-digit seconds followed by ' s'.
11 h 45 min 26 s
